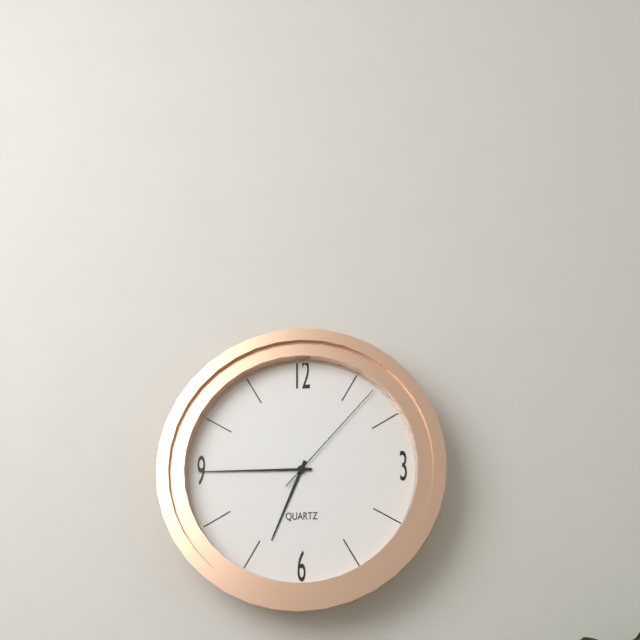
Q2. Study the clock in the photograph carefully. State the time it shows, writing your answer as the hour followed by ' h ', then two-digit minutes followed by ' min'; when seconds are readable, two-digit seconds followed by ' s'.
6 h 45 min 07 s
